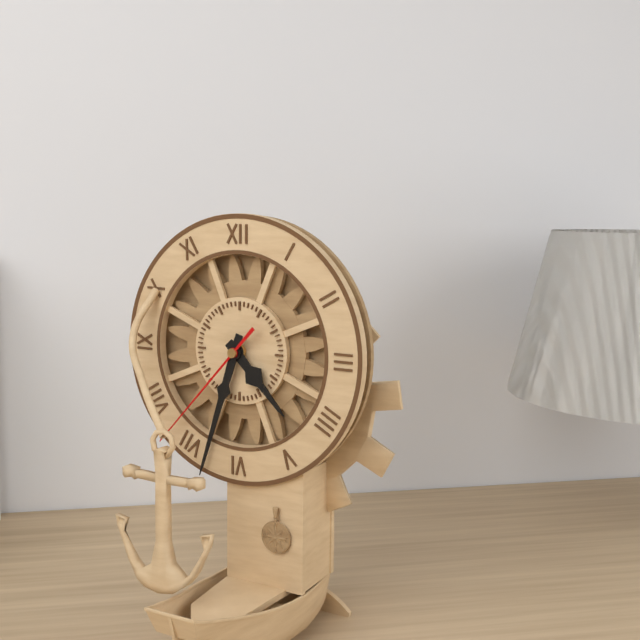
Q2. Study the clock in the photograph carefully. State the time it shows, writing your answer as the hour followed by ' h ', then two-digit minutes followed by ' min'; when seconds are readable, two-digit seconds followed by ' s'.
4 h 33 min 37 s
